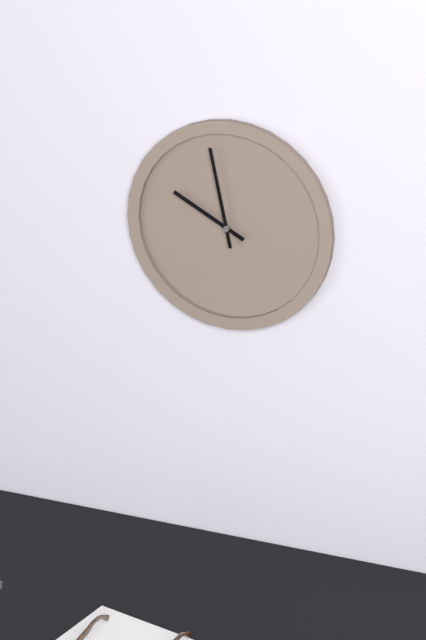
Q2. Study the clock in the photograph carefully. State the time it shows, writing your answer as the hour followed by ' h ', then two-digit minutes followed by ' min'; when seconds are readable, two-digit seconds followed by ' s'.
9 h 58 min
